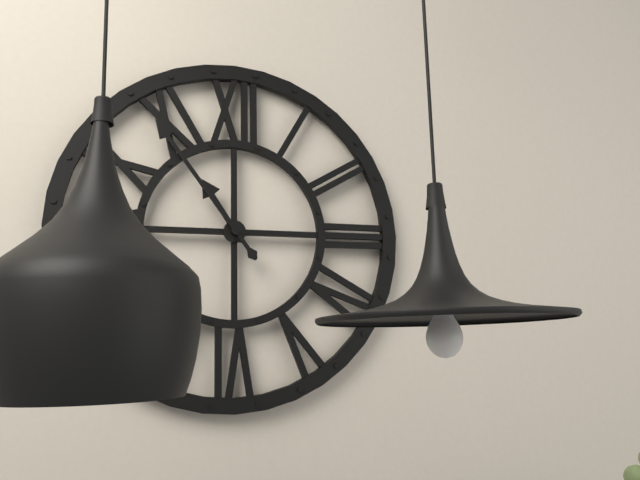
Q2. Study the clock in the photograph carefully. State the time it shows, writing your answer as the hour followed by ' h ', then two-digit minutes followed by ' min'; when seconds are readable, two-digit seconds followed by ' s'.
10 h 54 min
